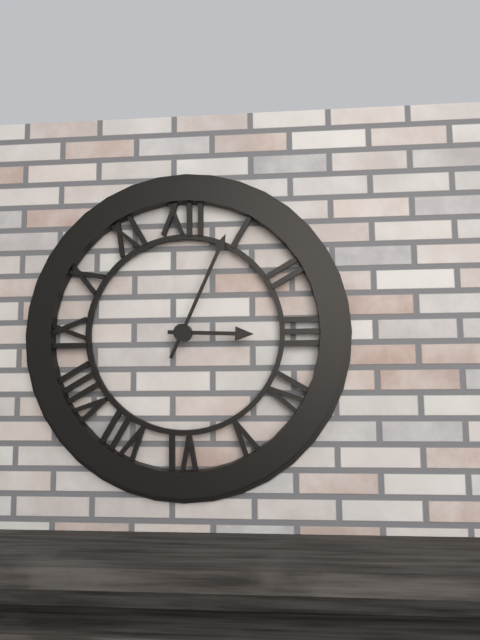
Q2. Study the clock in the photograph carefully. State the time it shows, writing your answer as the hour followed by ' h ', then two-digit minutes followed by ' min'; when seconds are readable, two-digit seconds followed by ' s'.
3 h 04 min
